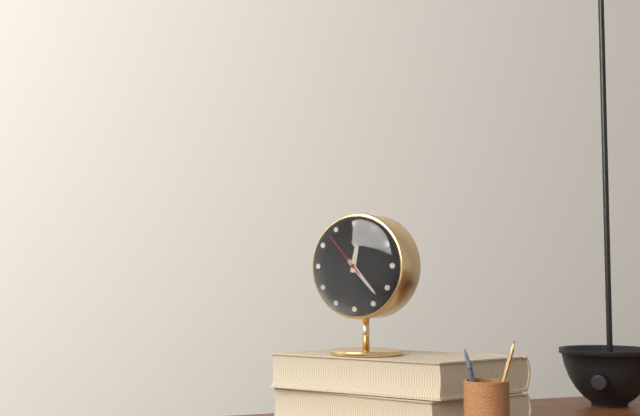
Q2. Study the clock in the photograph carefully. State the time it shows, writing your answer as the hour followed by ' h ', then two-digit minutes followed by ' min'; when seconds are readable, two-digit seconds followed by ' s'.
12 h 23 min
